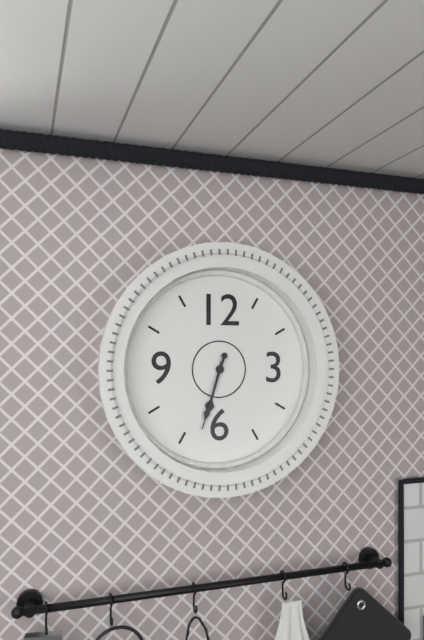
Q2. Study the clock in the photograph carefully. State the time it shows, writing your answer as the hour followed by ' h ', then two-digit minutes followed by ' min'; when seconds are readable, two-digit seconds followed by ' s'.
6 h 33 min
